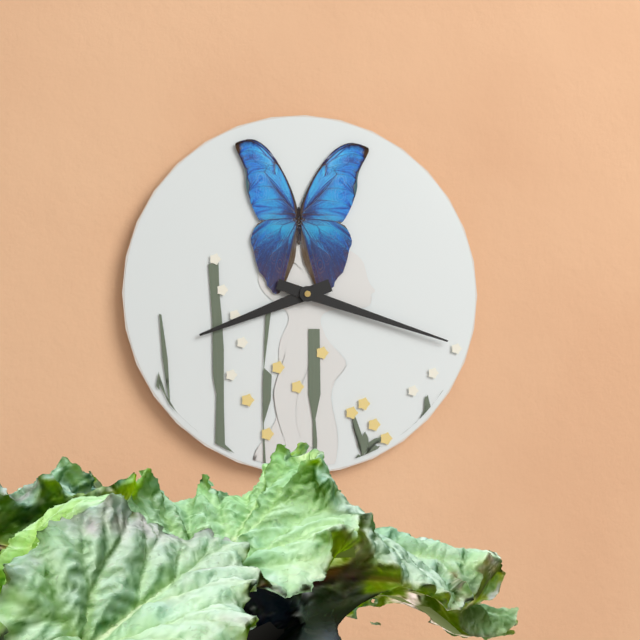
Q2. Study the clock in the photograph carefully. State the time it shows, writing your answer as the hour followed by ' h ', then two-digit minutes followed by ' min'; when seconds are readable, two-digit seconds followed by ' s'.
8 h 18 min
